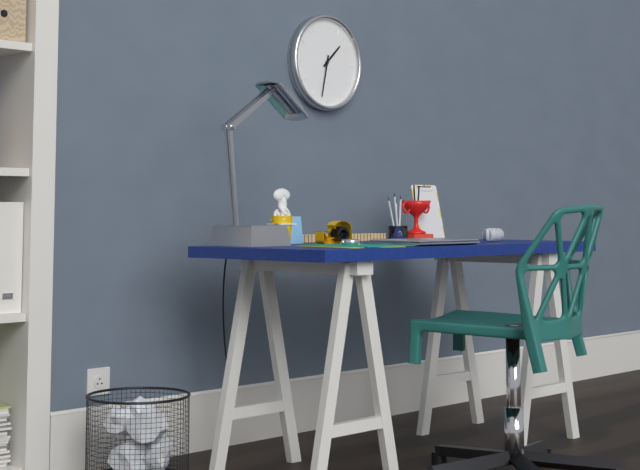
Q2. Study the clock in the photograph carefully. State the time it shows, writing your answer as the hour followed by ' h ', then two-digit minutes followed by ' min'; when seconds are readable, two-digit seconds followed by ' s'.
1 h 32 min
